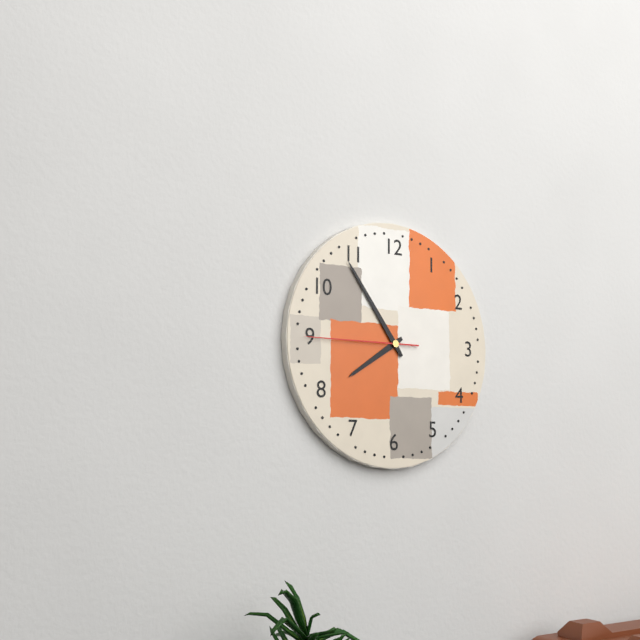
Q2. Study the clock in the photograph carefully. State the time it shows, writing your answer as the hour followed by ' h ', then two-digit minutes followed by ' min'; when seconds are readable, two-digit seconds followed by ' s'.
7 h 54 min 45 s
